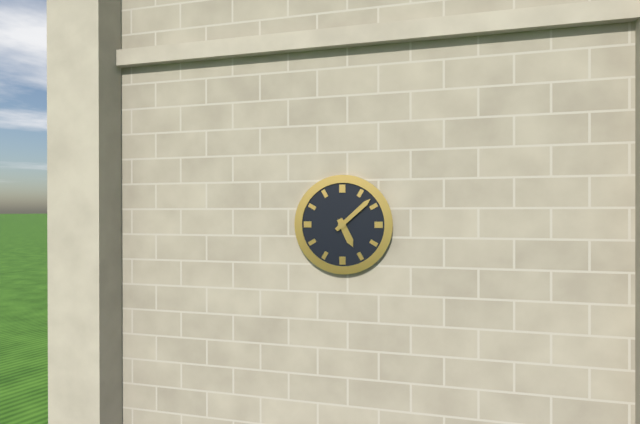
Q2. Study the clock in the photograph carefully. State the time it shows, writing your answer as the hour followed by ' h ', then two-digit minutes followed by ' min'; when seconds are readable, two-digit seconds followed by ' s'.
5 h 08 min
